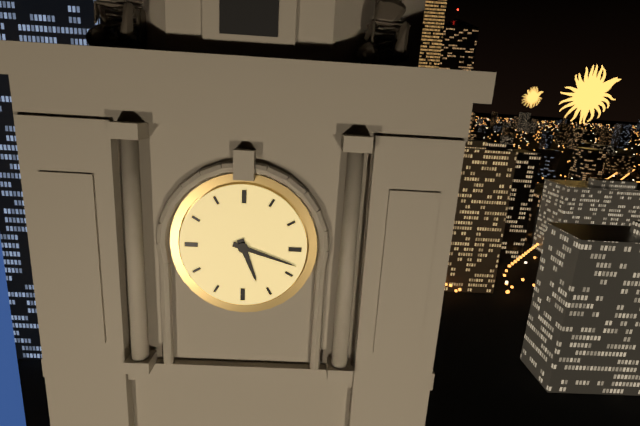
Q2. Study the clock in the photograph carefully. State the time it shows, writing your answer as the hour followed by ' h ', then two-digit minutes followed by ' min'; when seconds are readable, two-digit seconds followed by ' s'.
5 h 18 min
